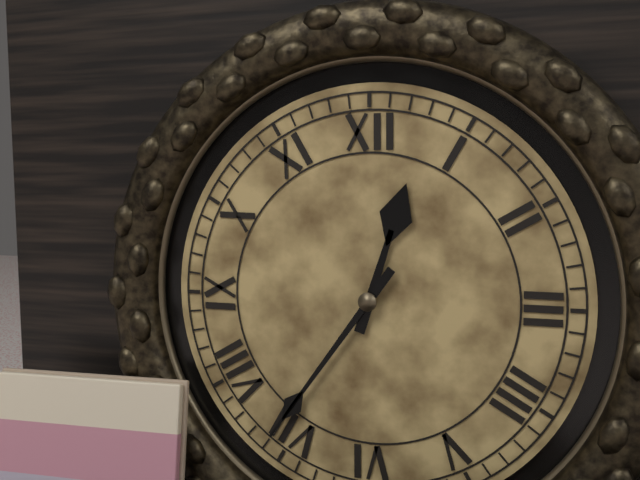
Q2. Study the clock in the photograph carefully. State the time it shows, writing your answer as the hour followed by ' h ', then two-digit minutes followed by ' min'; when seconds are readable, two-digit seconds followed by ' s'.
12 h 36 min
